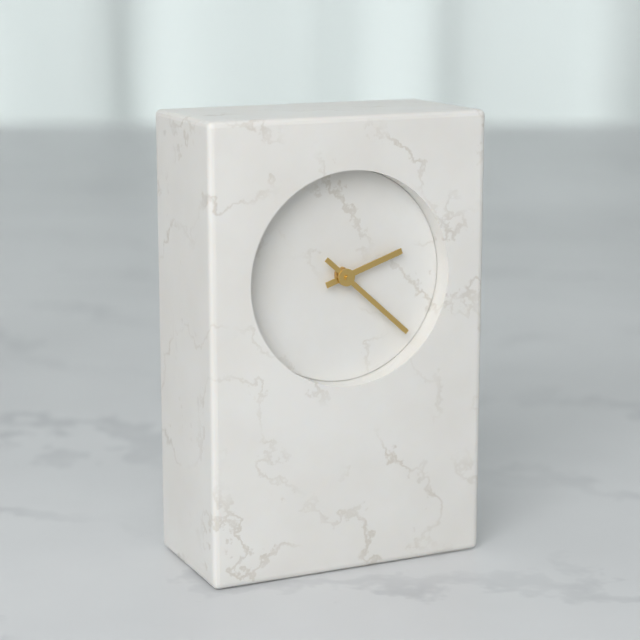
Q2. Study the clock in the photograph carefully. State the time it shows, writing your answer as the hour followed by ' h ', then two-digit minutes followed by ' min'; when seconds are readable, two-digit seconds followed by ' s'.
2 h 22 min
